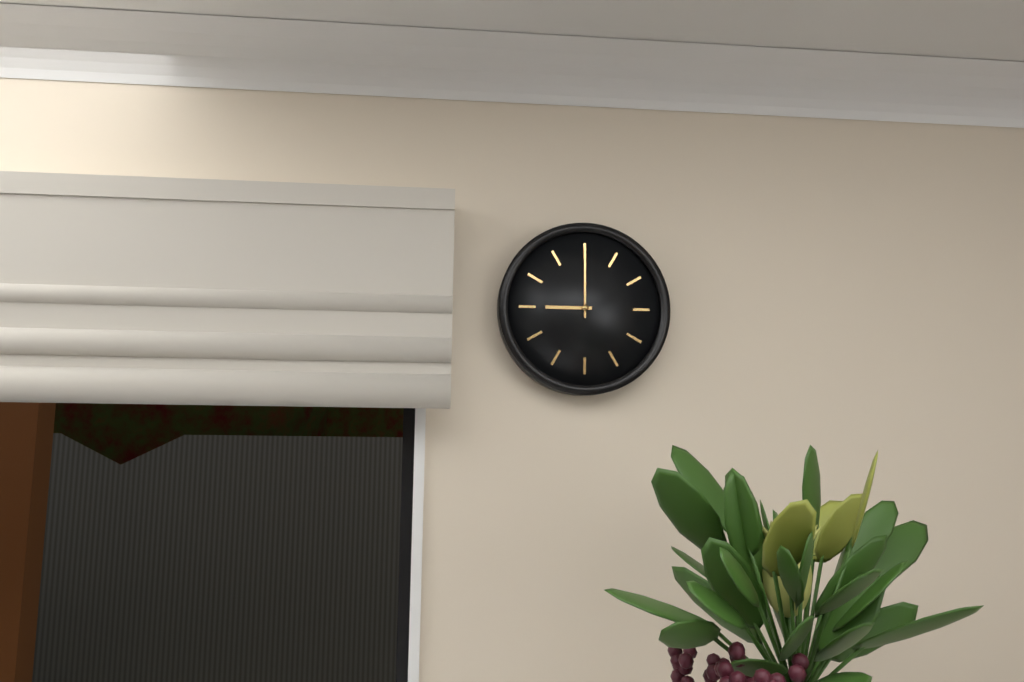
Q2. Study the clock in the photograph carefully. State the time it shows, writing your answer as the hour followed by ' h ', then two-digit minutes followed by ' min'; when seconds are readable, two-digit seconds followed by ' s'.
9 h 00 min
